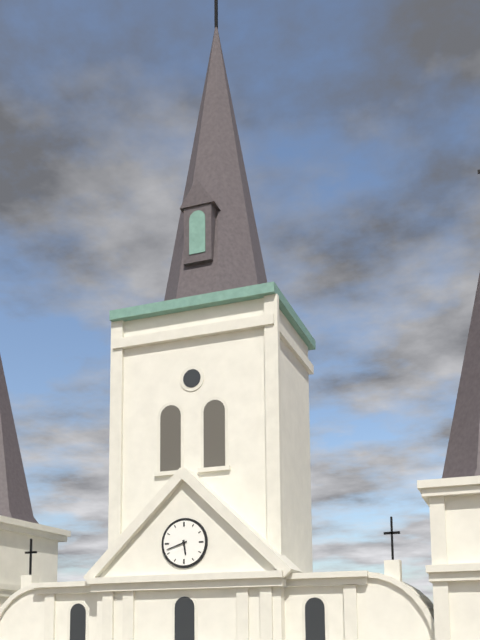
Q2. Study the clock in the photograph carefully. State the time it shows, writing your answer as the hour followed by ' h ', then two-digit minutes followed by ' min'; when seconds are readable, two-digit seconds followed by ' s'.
5 h 42 min
